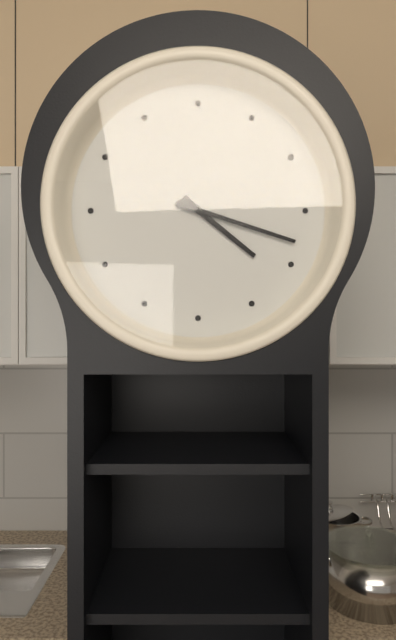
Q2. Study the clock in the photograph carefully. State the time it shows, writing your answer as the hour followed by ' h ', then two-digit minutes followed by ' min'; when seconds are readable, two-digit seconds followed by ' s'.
4 h 18 min
